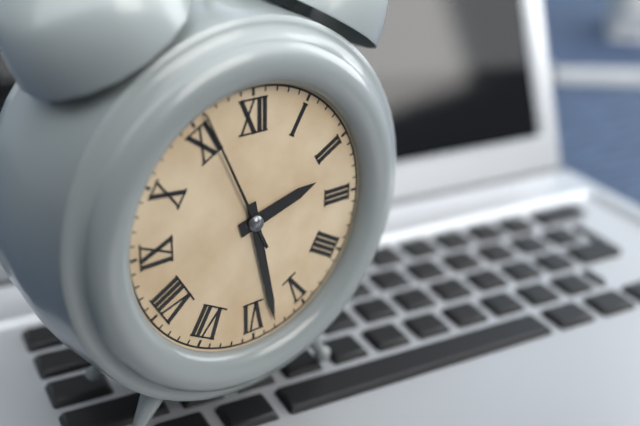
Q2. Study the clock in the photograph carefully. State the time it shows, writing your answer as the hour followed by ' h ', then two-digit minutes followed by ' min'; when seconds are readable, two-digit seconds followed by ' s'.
2 h 28 min 56 s
